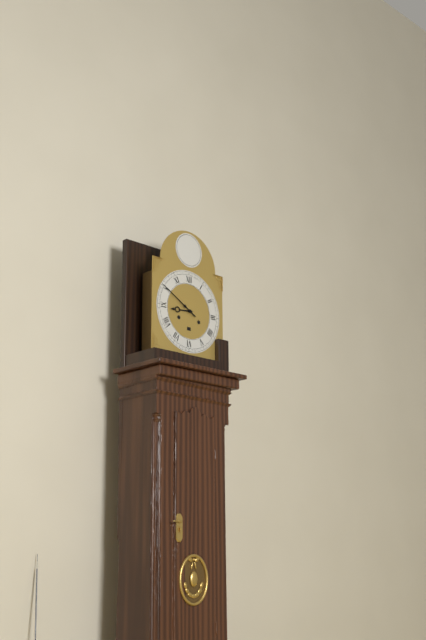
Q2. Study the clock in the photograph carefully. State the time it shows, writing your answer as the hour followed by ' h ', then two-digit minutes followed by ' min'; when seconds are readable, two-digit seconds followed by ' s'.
8 h 50 min
